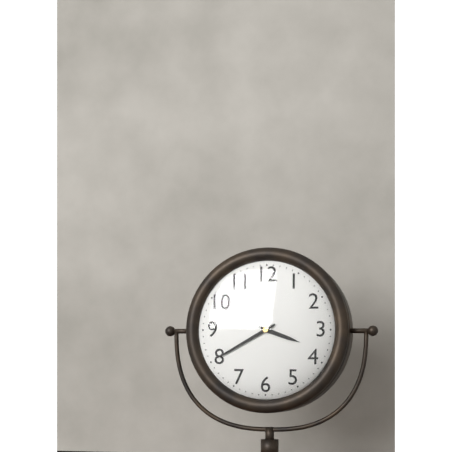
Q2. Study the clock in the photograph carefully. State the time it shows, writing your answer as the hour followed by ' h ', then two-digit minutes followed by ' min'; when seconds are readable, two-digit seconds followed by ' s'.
3 h 40 min
